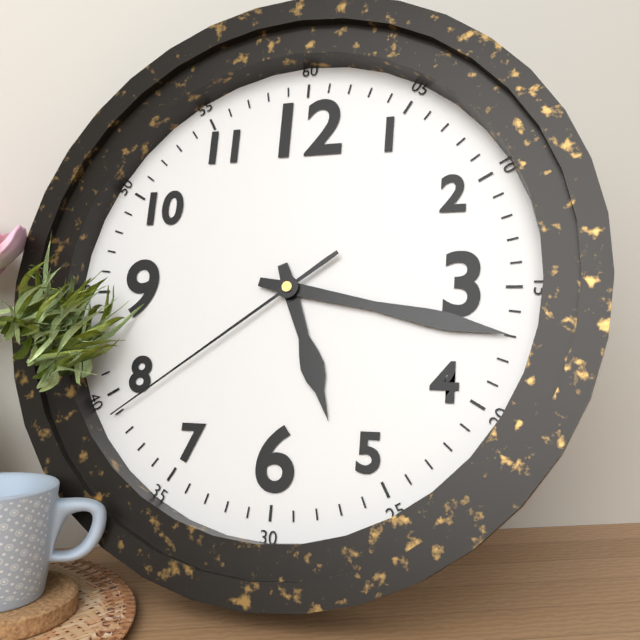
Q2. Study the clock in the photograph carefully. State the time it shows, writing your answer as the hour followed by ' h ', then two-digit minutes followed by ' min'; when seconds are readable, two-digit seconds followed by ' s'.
5 h 17 min 39 s
